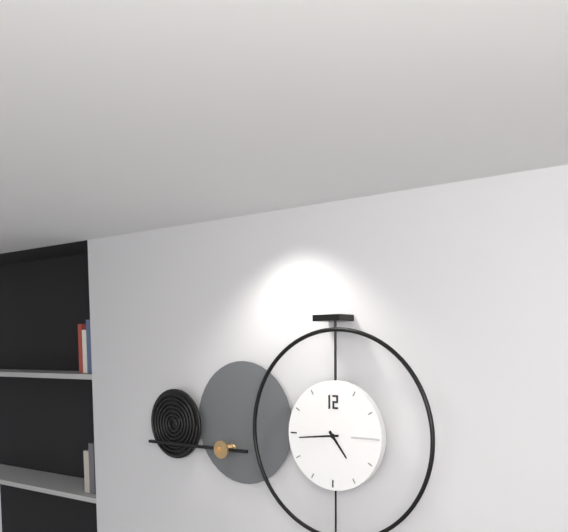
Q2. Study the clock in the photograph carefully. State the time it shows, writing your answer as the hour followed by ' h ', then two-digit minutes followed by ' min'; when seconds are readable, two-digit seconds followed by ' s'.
4 h 44 min
